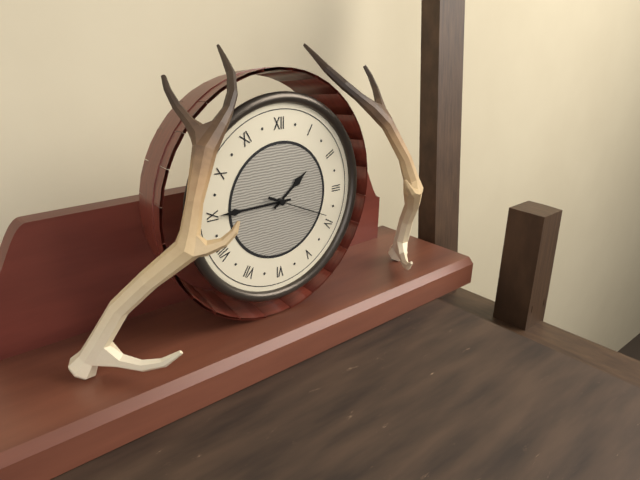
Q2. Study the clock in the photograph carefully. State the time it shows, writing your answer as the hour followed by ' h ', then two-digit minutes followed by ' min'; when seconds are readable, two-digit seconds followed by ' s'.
1 h 45 min 19 s
